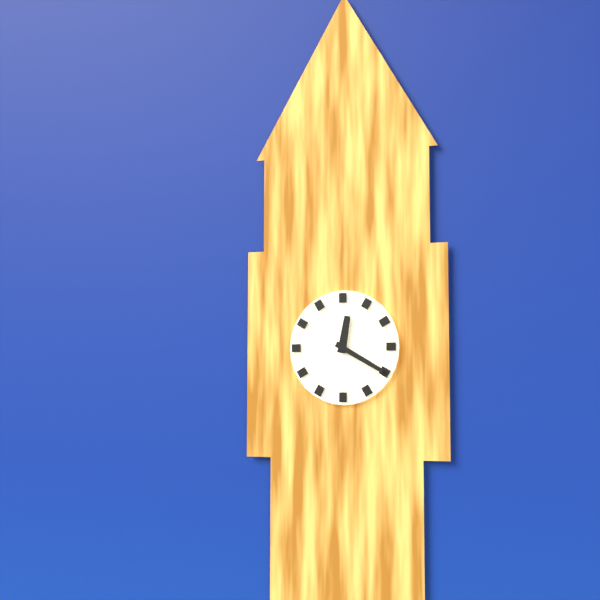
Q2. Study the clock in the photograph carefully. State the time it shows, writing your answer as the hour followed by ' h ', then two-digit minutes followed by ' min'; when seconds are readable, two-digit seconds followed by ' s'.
12 h 20 min
